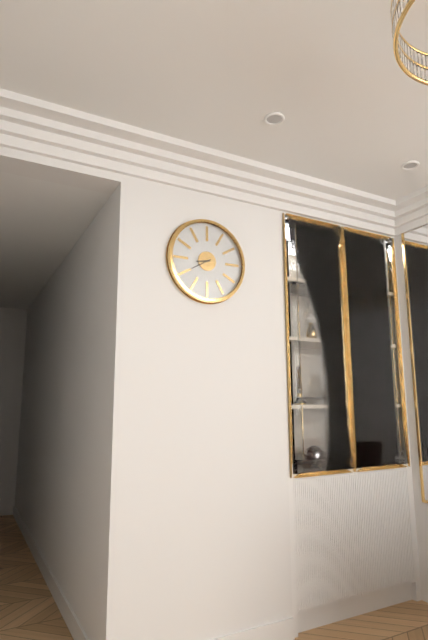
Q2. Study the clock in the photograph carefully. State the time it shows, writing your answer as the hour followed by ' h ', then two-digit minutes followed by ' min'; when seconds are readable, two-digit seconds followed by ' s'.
8 h 40 min
